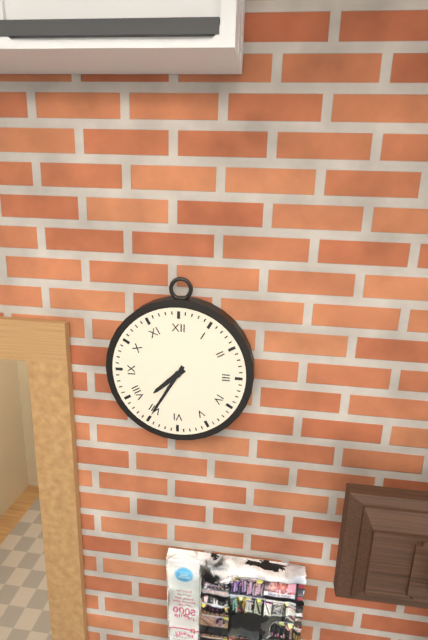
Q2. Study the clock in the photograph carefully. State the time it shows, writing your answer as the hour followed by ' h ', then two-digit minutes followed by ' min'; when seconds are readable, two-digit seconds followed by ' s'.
7 h 35 min
